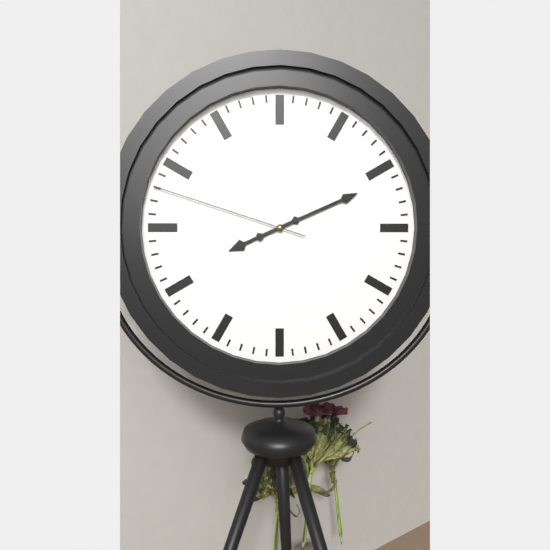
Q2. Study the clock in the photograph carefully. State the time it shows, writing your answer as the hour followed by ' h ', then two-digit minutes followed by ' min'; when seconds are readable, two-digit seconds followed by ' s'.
8 h 11 min 48 s
